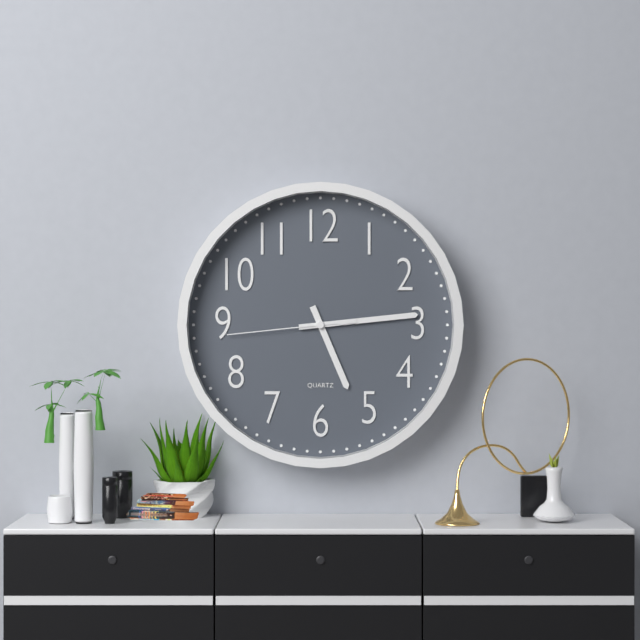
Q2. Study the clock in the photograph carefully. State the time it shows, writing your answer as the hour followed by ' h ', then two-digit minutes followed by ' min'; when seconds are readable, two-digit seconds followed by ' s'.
5 h 14 min 44 s
